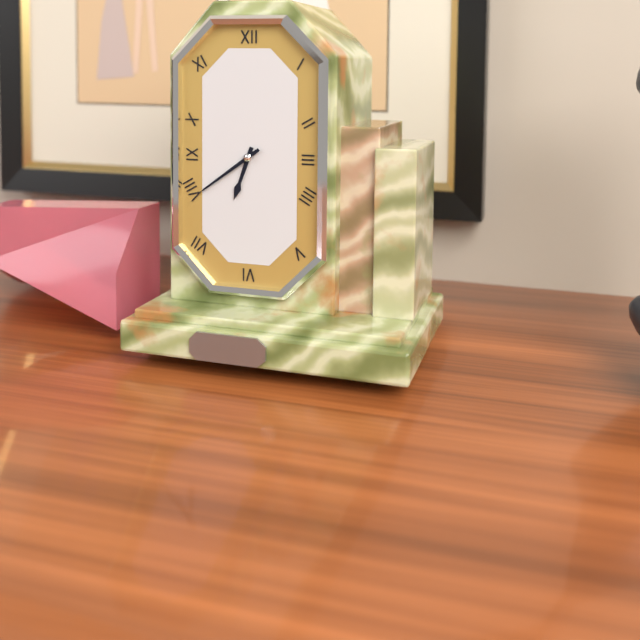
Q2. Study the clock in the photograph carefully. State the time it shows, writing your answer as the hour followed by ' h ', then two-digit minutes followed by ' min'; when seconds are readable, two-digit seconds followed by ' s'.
6 h 39 min
